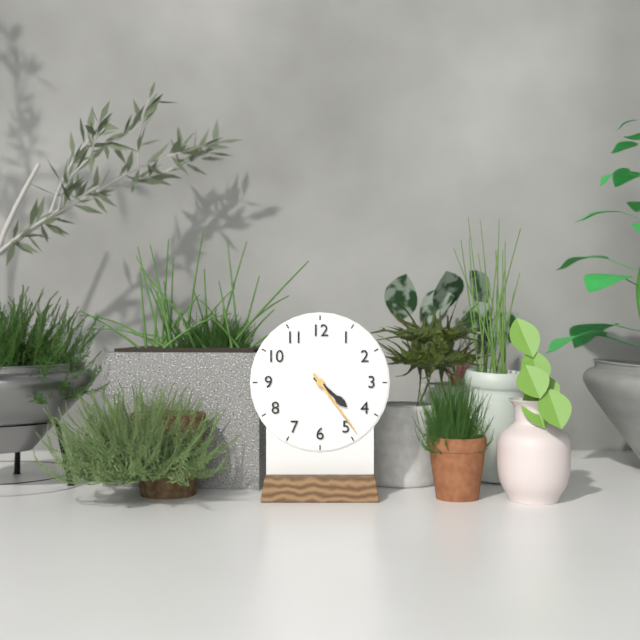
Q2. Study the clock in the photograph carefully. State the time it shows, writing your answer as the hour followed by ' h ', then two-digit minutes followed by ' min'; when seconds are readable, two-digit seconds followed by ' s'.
4 h 24 min
